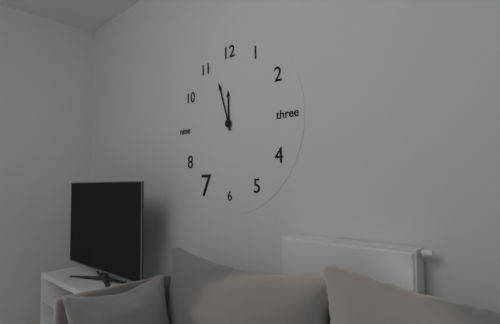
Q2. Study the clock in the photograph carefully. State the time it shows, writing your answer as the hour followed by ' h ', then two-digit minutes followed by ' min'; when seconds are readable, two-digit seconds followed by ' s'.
11 h 57 min
